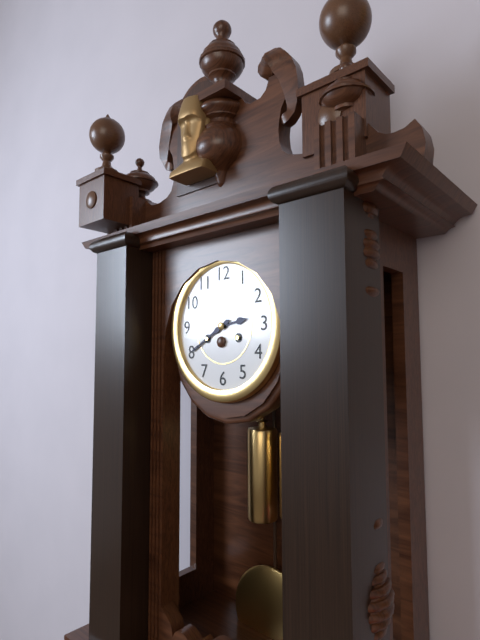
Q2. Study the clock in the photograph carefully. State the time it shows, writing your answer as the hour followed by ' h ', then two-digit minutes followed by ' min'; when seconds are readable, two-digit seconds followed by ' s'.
2 h 40 min
